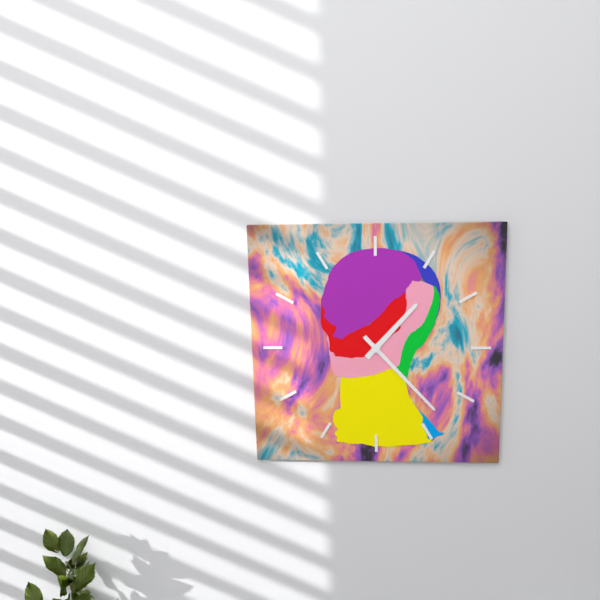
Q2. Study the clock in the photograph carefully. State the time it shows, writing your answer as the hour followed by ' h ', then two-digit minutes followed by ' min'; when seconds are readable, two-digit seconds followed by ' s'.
1 h 23 min
